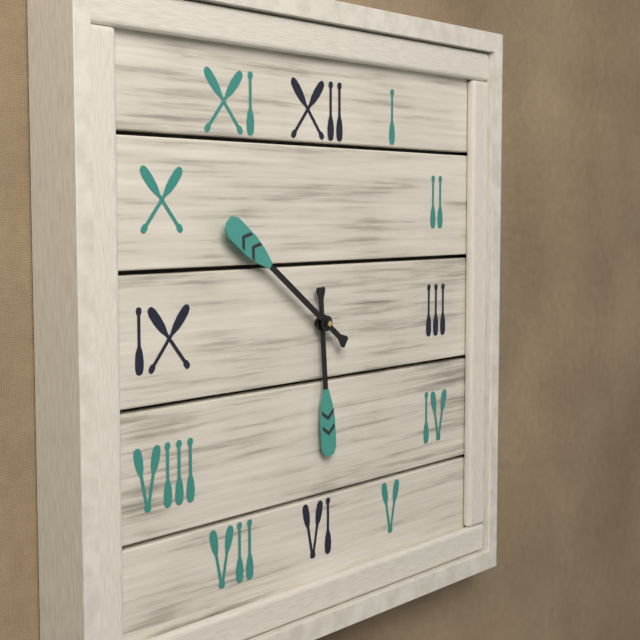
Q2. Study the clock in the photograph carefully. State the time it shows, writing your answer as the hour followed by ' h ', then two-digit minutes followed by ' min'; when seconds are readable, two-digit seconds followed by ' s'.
5 h 51 min
